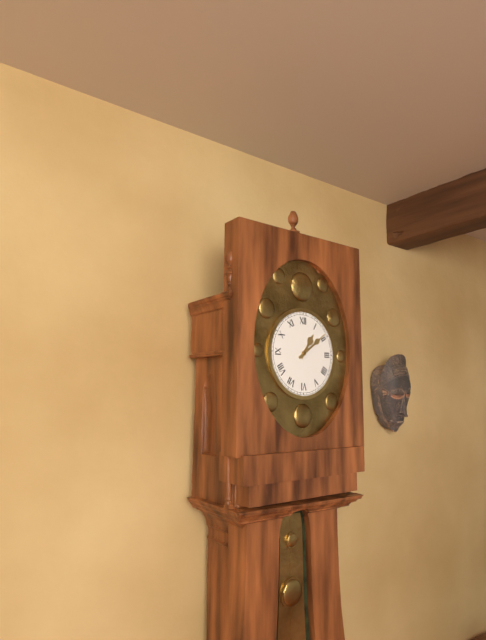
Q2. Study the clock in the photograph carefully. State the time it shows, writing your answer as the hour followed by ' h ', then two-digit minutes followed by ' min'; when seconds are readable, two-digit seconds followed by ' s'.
1 h 09 min
